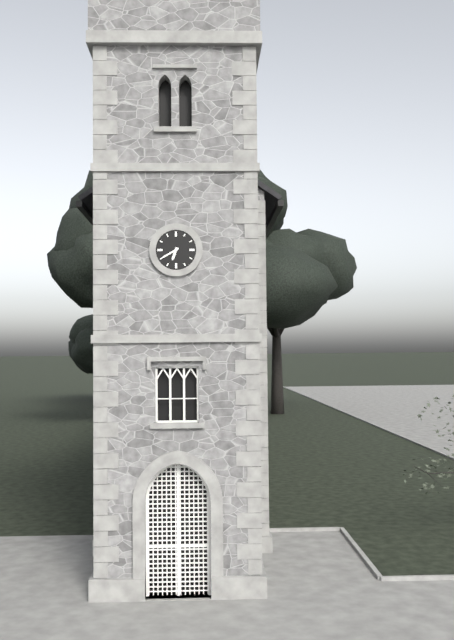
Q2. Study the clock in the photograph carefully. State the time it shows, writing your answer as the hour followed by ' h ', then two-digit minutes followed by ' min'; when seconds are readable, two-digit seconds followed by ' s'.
6 h 40 min
